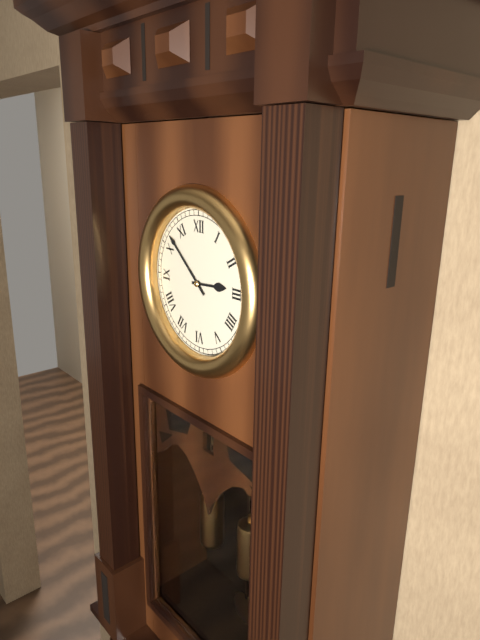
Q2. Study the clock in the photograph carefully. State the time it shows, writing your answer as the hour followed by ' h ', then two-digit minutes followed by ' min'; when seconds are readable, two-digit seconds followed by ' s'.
2 h 52 min
